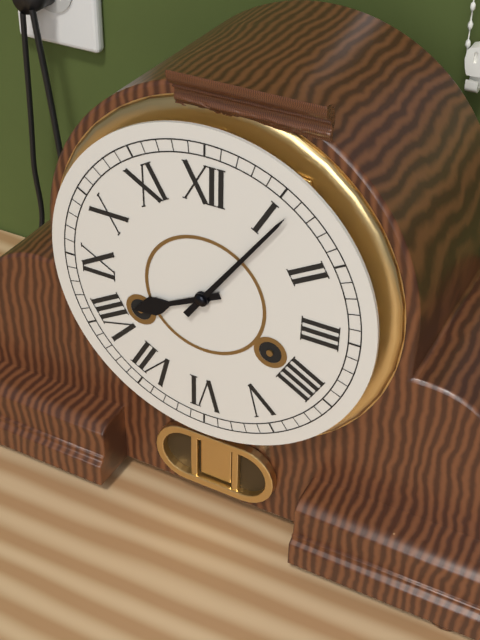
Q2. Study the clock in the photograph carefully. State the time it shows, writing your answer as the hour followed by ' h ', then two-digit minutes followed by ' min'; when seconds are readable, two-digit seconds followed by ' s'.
8 h 06 min
